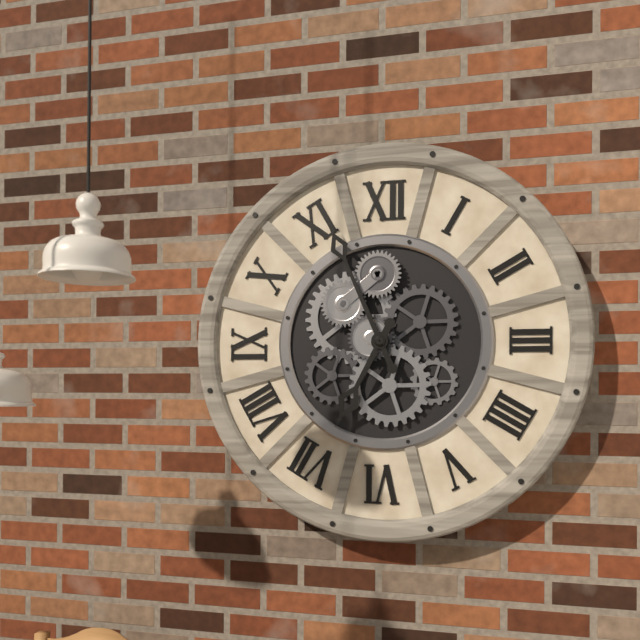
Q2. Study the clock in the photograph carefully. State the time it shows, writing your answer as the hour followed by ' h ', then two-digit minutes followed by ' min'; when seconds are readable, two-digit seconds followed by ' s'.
6 h 56 min
